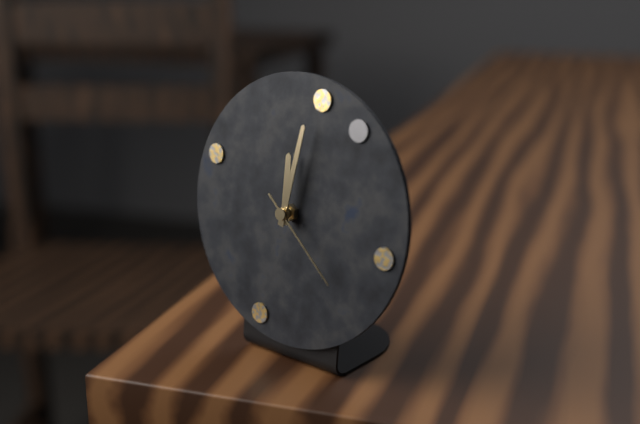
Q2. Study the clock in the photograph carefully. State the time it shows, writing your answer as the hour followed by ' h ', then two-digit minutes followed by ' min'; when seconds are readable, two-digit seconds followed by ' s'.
12 h 02 min 22 s
